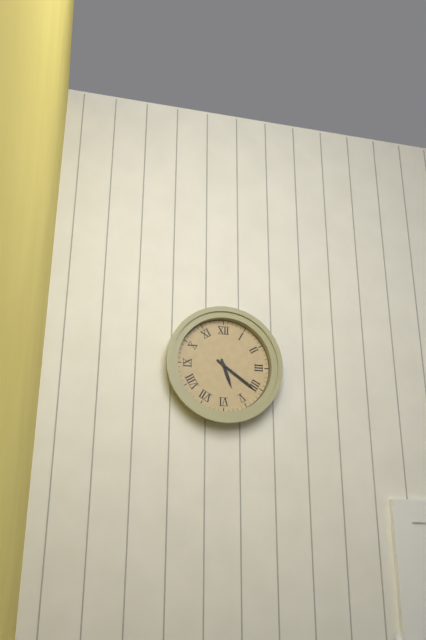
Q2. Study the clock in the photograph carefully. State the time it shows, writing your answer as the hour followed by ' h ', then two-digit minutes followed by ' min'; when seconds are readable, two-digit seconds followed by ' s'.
5 h 21 min
